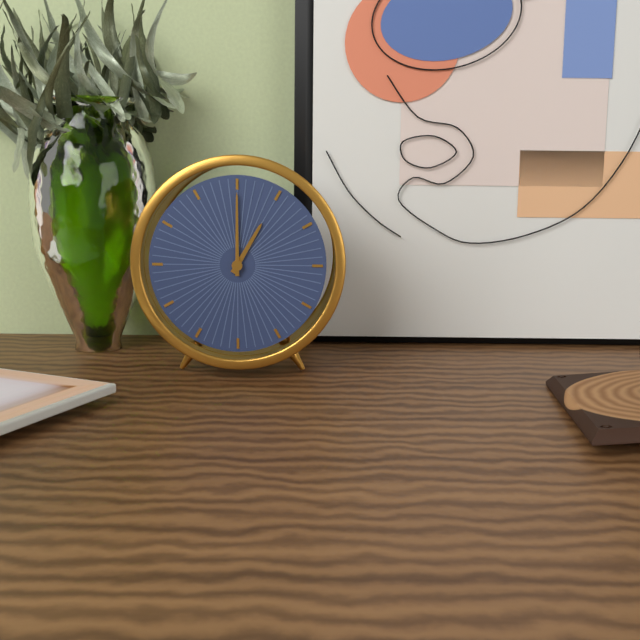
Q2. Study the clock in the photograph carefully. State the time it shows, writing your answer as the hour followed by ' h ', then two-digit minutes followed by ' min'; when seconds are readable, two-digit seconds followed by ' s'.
1 h 00 min
